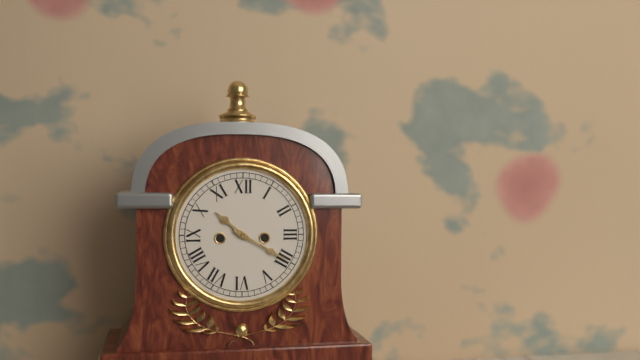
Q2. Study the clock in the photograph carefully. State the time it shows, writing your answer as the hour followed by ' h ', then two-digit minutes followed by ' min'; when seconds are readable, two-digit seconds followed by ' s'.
10 h 20 min
